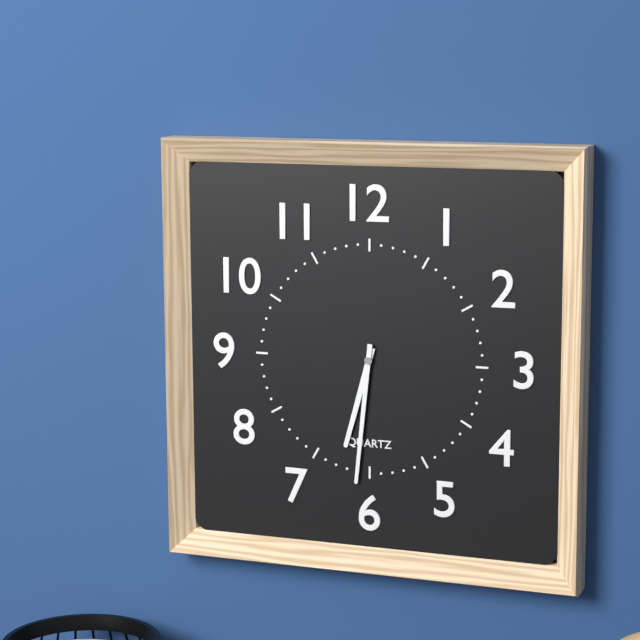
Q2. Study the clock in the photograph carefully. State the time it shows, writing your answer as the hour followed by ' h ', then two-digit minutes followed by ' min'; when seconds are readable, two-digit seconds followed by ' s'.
6 h 31 min
